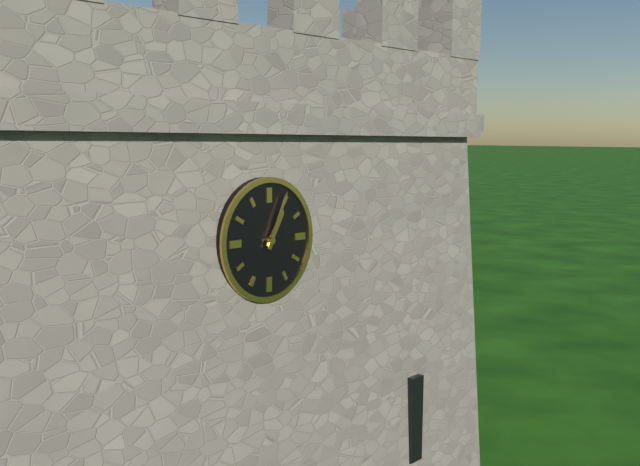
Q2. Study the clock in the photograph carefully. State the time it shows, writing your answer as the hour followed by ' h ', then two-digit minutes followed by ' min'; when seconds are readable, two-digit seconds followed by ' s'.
1 h 04 min
